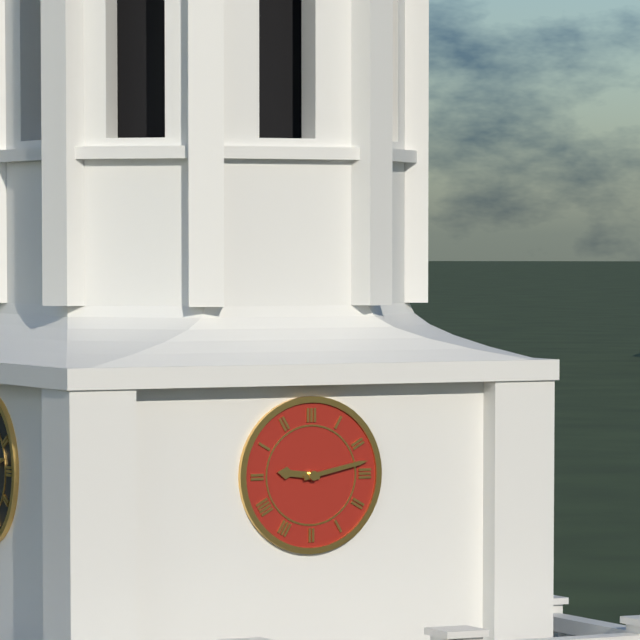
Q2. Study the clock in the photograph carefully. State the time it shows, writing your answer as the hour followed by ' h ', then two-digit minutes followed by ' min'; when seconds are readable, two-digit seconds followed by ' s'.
9 h 13 min
